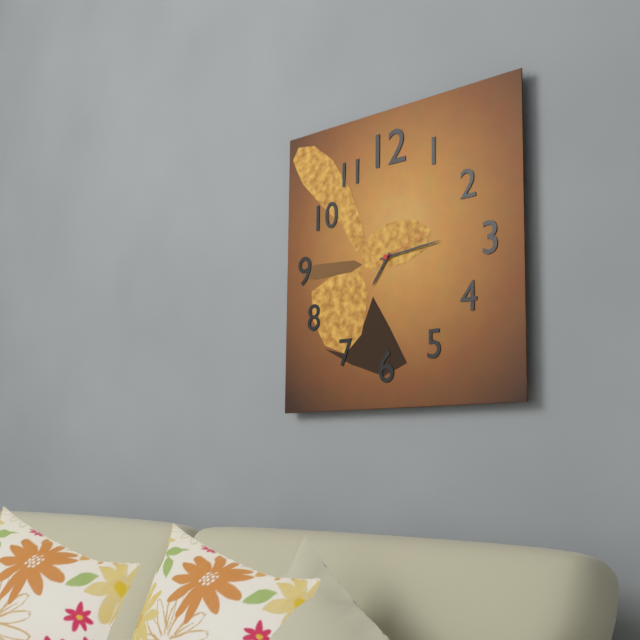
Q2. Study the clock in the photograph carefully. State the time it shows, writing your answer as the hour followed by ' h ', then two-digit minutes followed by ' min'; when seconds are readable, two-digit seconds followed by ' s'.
7 h 14 min 12 s
